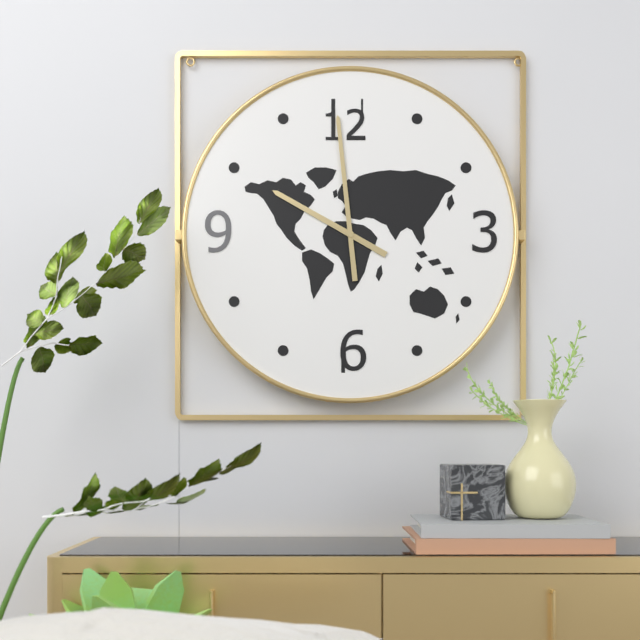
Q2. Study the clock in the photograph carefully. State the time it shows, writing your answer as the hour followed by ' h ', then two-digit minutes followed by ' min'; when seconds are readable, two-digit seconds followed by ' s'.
9 h 59 min
